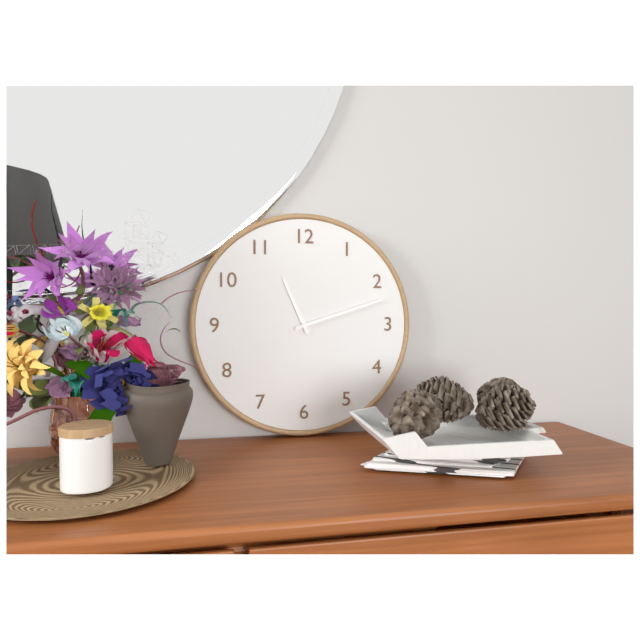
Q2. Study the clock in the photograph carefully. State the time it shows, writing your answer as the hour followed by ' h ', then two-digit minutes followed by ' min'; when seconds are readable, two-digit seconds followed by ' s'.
11 h 12 min
